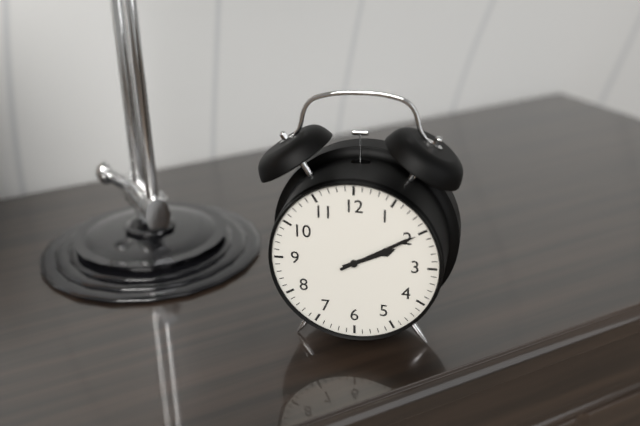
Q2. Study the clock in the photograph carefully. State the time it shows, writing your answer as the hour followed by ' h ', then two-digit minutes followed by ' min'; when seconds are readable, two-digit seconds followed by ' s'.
2 h 10 min
